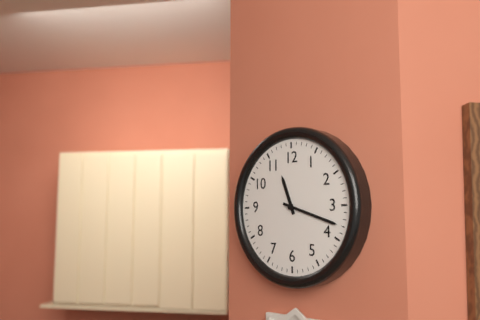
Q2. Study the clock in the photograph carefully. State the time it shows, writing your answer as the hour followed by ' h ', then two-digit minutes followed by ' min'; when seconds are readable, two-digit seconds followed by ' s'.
11 h 18 min
